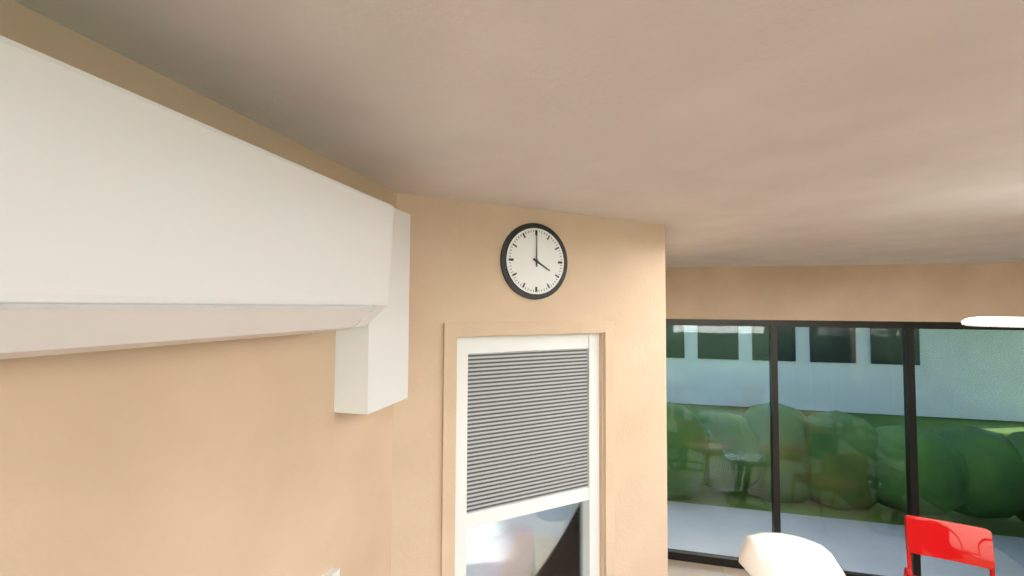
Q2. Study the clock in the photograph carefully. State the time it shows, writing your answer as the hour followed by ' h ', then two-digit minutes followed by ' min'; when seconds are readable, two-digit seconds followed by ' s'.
4 h 00 min
